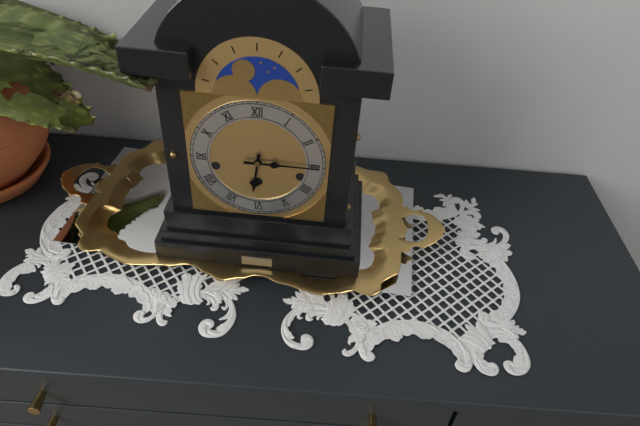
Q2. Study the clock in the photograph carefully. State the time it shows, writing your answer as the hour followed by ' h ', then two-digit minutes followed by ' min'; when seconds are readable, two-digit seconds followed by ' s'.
6 h 15 min
